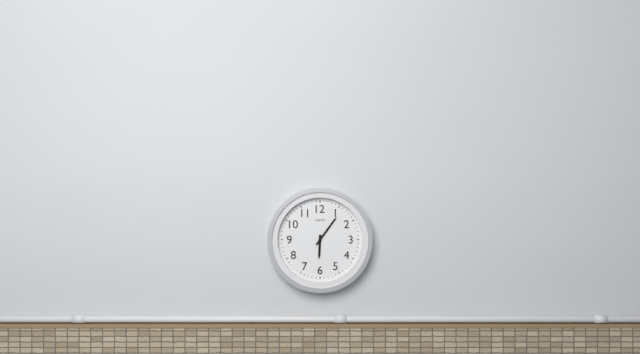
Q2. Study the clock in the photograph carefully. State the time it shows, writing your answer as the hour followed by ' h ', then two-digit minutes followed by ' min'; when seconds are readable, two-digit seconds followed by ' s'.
6 h 06 min
